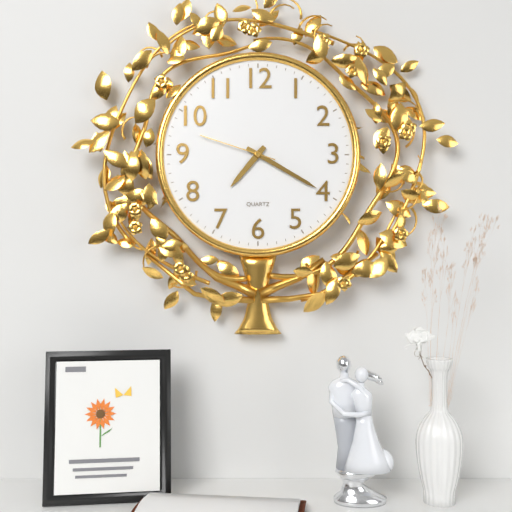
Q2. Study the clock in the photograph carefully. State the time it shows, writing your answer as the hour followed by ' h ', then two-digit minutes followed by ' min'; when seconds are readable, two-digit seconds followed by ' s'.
7 h 20 min 48 s
